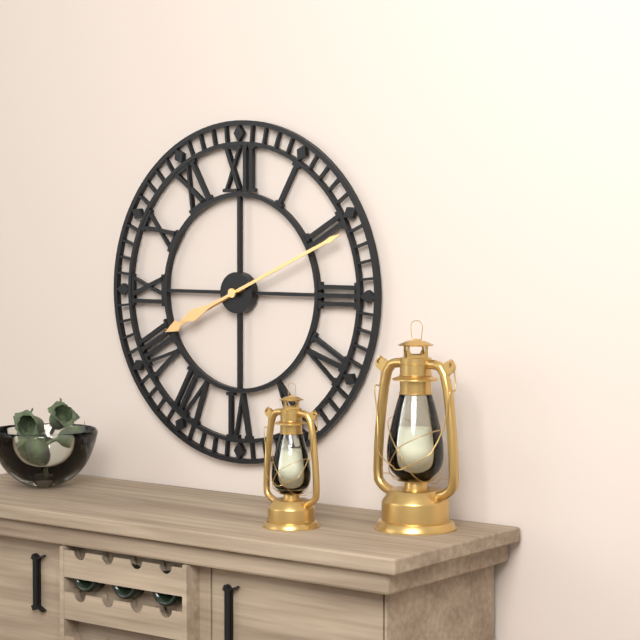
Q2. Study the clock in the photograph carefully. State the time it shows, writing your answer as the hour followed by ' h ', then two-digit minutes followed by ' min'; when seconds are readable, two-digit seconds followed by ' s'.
8 h 11 min
